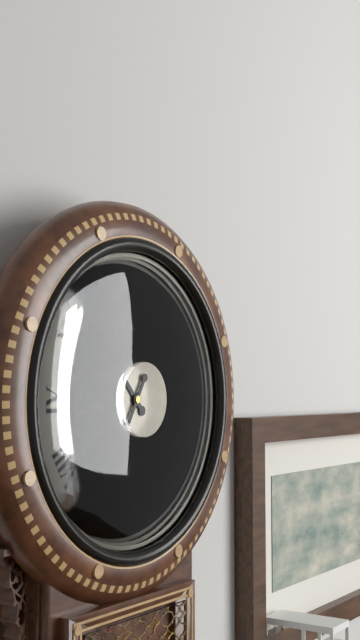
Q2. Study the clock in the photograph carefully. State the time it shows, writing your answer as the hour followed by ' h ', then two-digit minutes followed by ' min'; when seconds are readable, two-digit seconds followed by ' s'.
10 h 35 min
